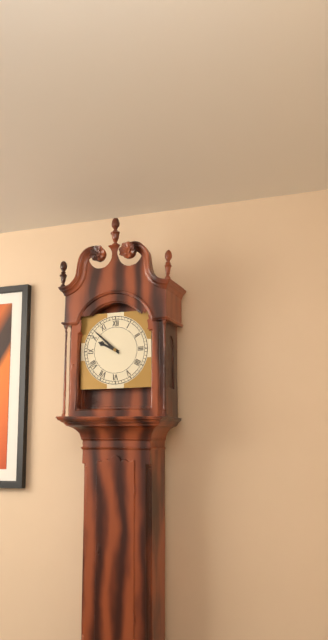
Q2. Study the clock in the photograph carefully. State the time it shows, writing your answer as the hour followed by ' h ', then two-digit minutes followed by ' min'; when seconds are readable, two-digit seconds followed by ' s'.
9 h 52 min
